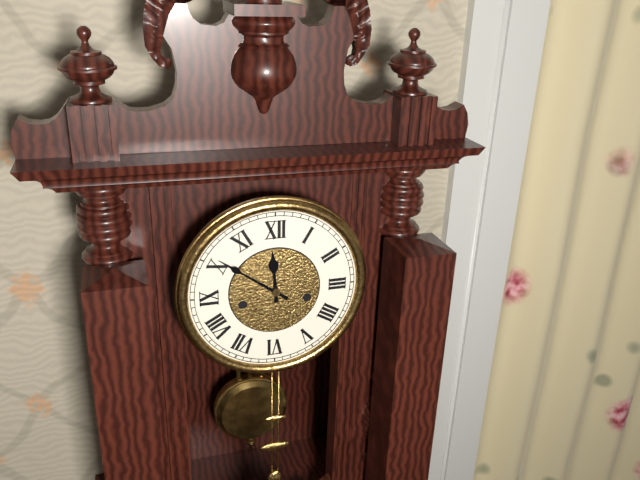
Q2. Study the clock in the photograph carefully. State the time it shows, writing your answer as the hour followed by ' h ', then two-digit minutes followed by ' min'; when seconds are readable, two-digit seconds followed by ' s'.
11 h 51 min
